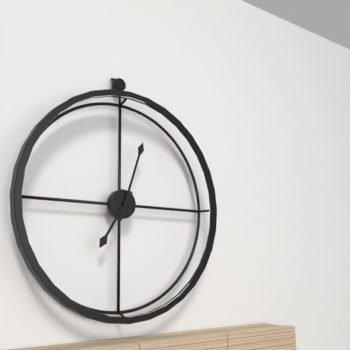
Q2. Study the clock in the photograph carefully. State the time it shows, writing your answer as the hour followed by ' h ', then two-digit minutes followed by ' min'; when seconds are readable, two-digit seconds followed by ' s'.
7 h 03 min
